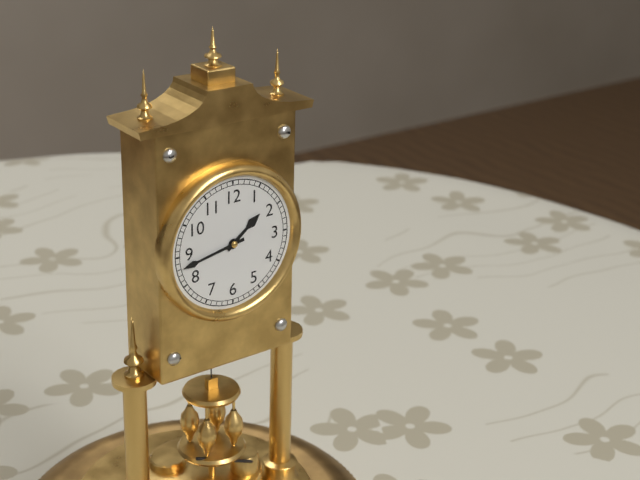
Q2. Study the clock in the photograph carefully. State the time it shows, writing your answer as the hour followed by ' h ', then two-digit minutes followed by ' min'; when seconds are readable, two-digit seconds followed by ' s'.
1 h 43 min
